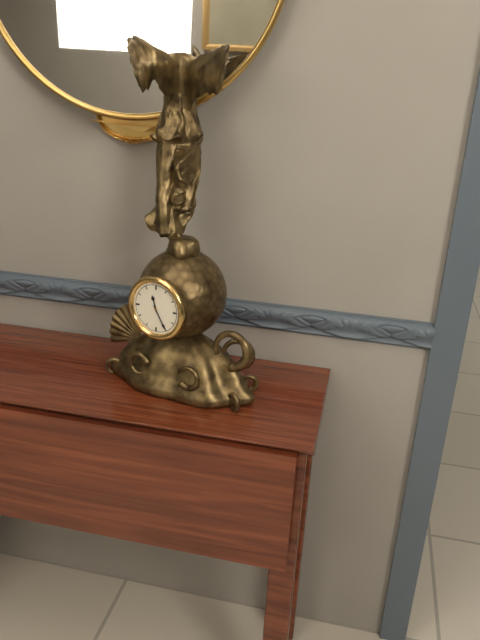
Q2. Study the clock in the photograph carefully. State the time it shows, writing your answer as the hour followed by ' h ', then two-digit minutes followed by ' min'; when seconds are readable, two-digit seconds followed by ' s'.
11 h 25 min
